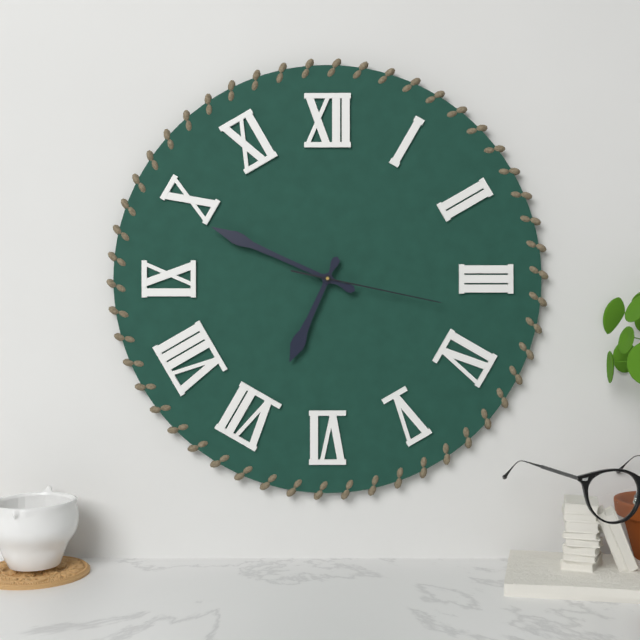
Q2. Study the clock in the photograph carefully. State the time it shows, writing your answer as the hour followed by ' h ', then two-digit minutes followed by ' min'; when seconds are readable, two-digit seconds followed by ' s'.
6 h 49 min 17 s
